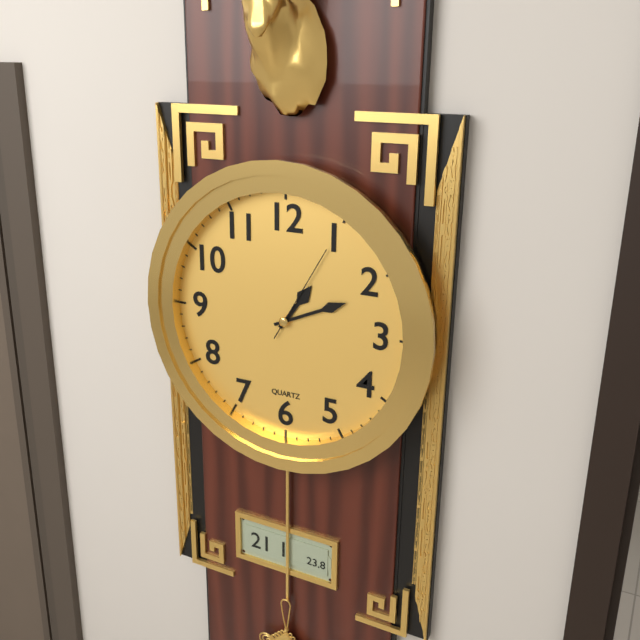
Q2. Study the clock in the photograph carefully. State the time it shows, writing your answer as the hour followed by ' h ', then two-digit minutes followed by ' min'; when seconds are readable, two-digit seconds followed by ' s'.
1 h 11 min 05 s
